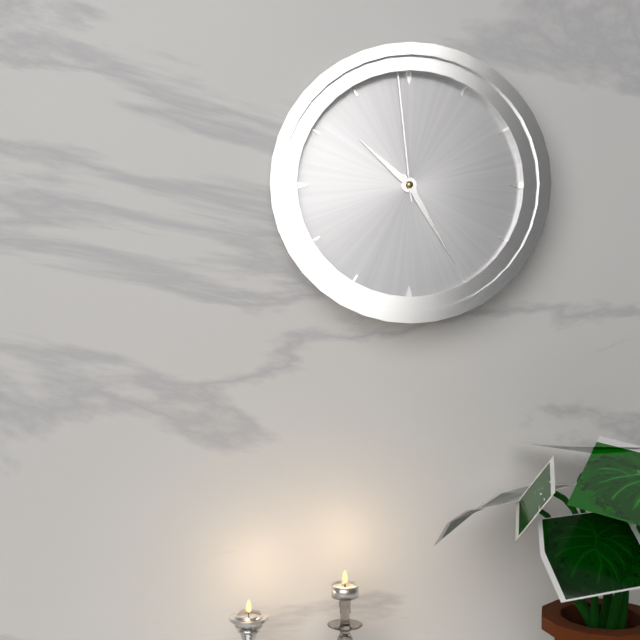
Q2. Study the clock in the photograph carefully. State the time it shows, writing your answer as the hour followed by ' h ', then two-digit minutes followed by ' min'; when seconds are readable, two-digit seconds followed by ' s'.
10 h 25 min 59 s
